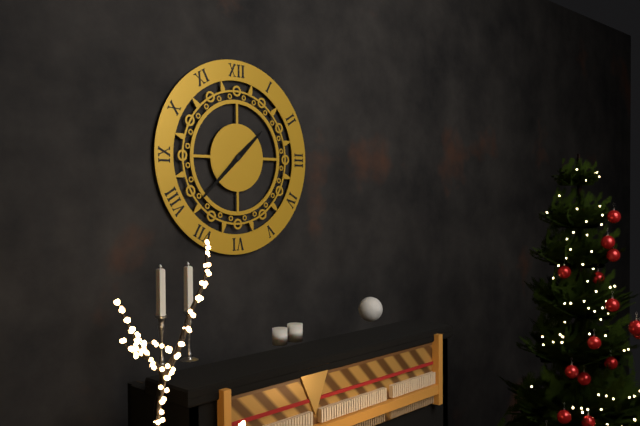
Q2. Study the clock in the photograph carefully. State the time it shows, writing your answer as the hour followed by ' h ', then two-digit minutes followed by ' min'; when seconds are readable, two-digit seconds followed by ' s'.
1 h 38 min
